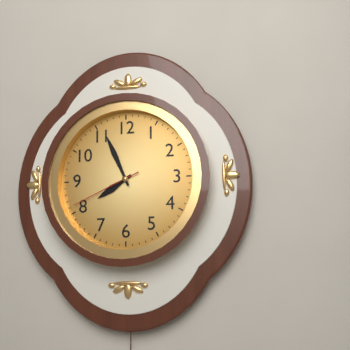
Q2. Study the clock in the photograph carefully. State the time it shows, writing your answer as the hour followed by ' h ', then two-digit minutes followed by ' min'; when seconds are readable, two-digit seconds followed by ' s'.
7 h 56 min 41 s
